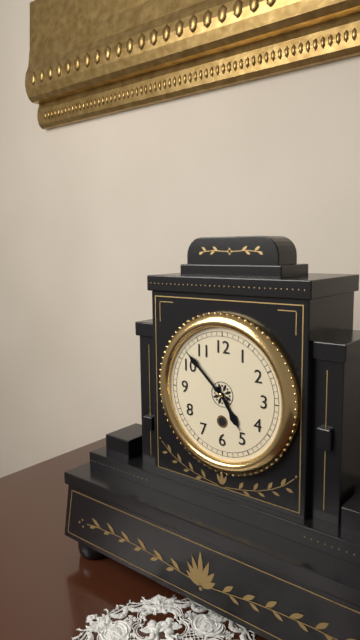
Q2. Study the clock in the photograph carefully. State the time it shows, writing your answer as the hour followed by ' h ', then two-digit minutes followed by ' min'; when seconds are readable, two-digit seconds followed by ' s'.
4 h 52 min
